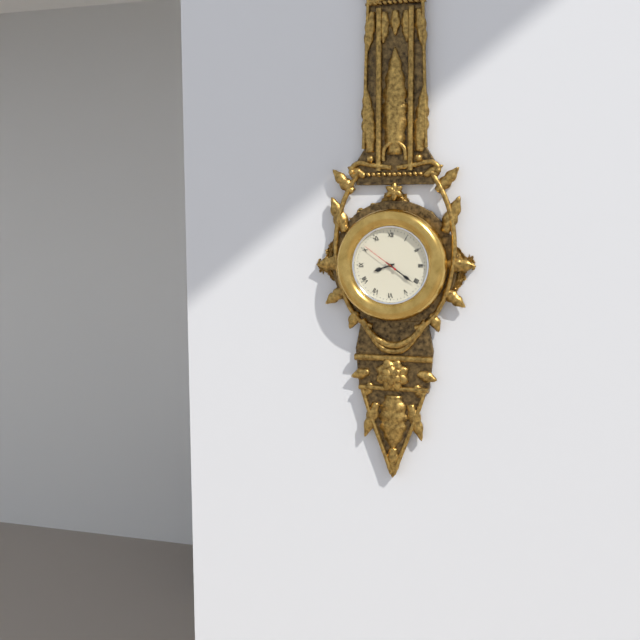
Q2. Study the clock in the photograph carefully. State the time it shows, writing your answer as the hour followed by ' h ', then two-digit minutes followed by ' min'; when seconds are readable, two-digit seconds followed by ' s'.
8 h 21 min
